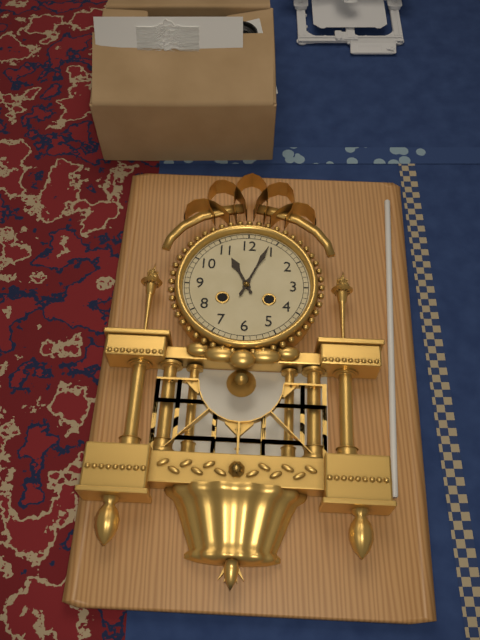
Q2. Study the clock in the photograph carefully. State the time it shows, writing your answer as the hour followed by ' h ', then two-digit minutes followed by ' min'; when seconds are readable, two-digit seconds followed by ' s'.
11 h 04 min
